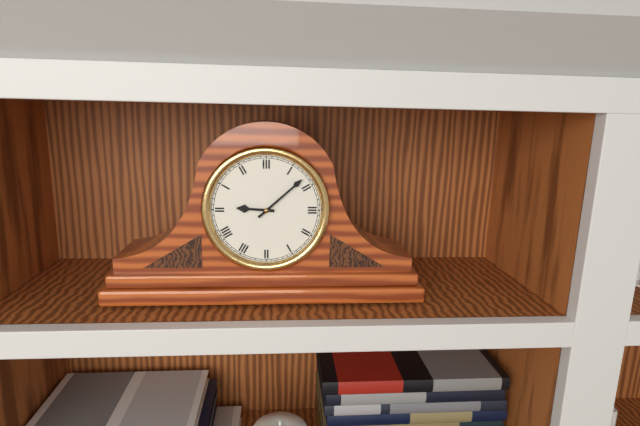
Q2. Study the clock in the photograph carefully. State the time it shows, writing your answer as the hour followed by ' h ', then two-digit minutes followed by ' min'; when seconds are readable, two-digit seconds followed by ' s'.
9 h 08 min
